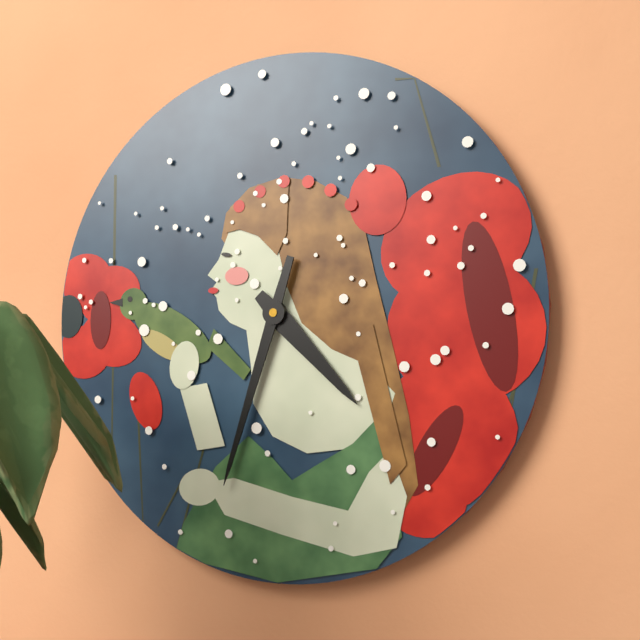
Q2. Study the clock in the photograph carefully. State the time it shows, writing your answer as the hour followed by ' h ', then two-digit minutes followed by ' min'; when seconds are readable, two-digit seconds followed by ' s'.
4 h 33 min
